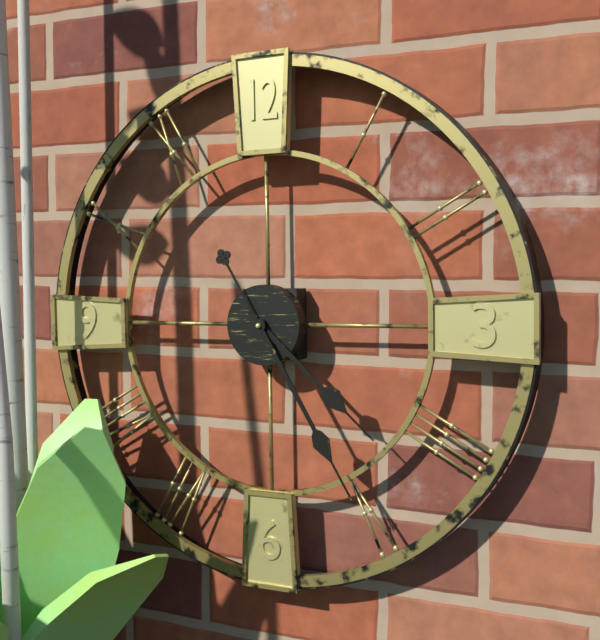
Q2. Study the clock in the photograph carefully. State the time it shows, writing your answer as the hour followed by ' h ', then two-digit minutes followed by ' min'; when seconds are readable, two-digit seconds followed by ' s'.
4 h 25 min
